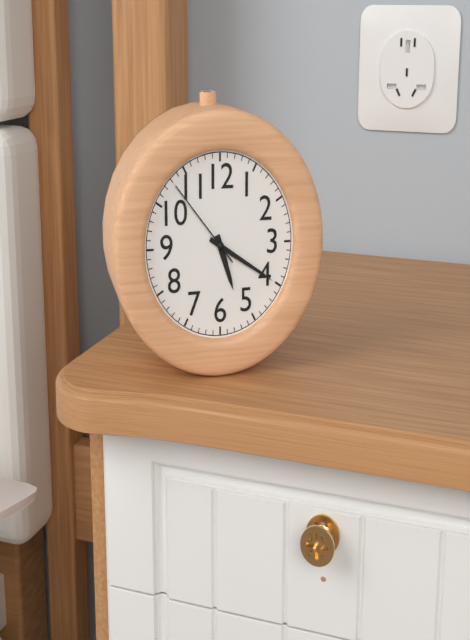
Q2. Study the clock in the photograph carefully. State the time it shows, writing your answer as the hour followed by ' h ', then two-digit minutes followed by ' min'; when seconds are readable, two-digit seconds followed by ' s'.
5 h 20 min 53 s
